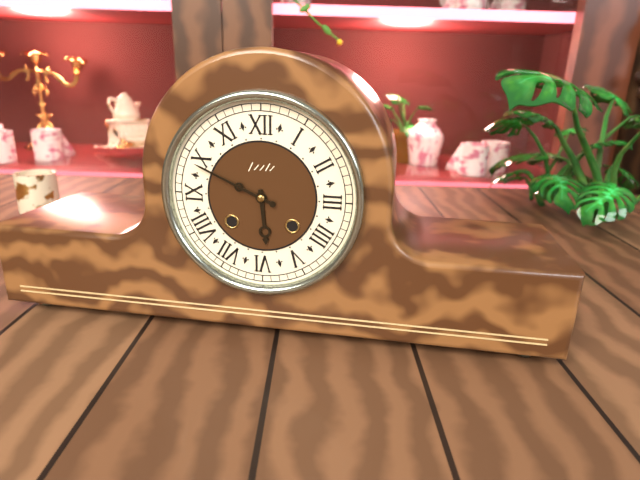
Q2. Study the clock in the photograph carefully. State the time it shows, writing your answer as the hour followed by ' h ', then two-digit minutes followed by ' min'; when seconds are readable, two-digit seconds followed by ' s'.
5 h 49 min
